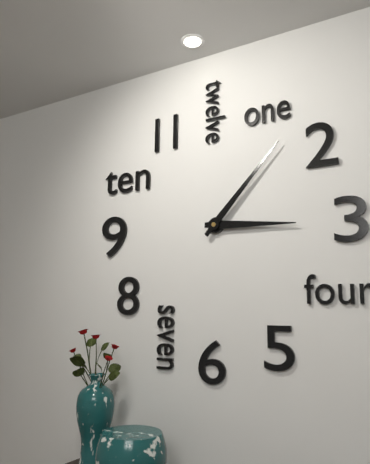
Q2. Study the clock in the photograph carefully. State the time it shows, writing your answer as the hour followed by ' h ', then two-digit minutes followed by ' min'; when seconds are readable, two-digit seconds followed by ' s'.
3 h 07 min
